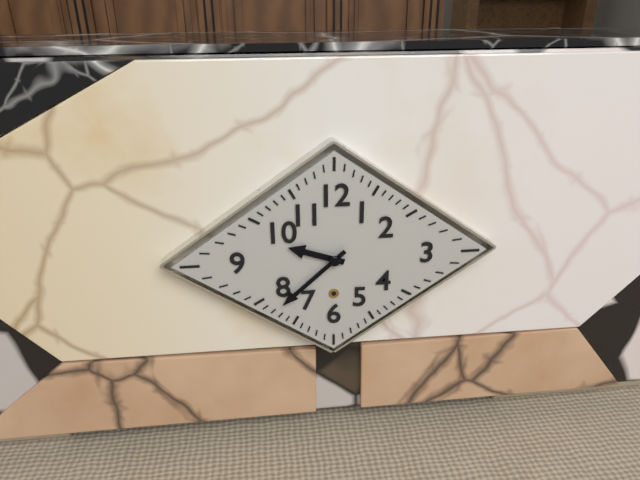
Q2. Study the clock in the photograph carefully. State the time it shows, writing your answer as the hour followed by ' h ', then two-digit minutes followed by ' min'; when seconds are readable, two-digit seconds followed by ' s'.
9 h 38 min
